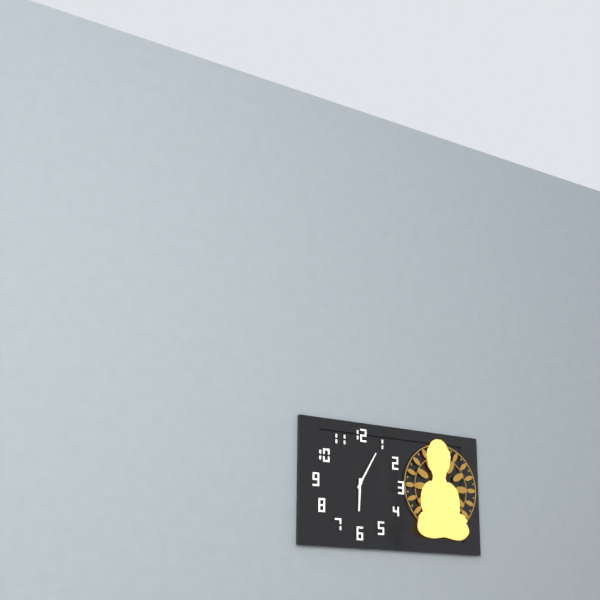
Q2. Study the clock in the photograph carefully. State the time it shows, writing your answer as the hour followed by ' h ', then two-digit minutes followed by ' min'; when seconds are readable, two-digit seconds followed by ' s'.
6 h 05 min
